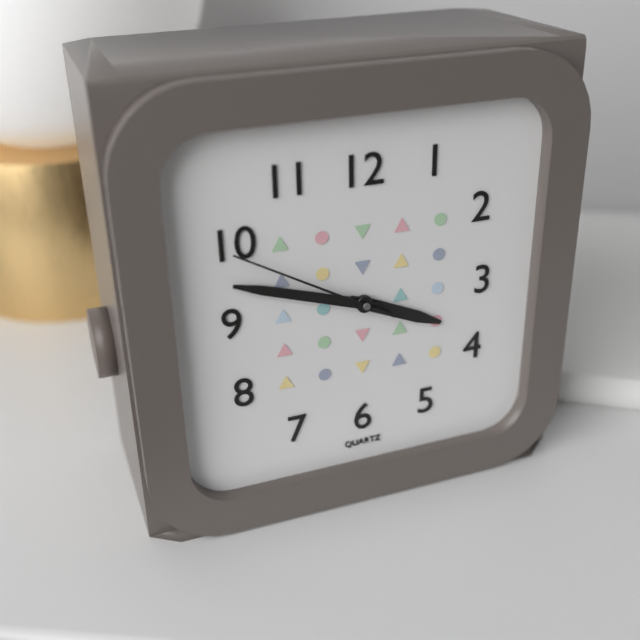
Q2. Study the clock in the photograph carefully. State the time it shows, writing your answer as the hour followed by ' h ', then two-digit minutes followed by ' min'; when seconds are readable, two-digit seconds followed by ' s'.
3 h 48 min 50 s
